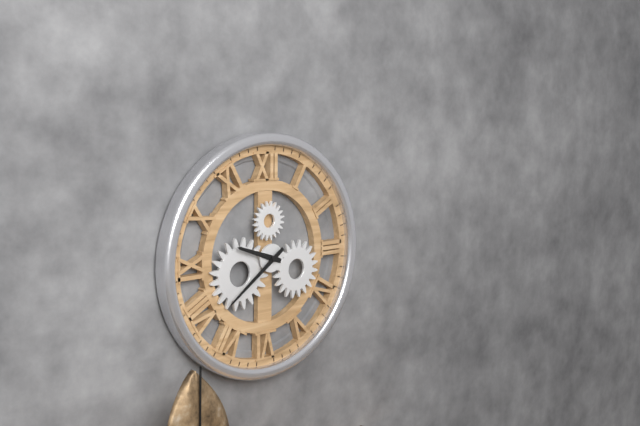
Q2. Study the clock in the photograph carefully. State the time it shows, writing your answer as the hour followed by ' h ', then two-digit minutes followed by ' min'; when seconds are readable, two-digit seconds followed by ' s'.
9 h 39 min
